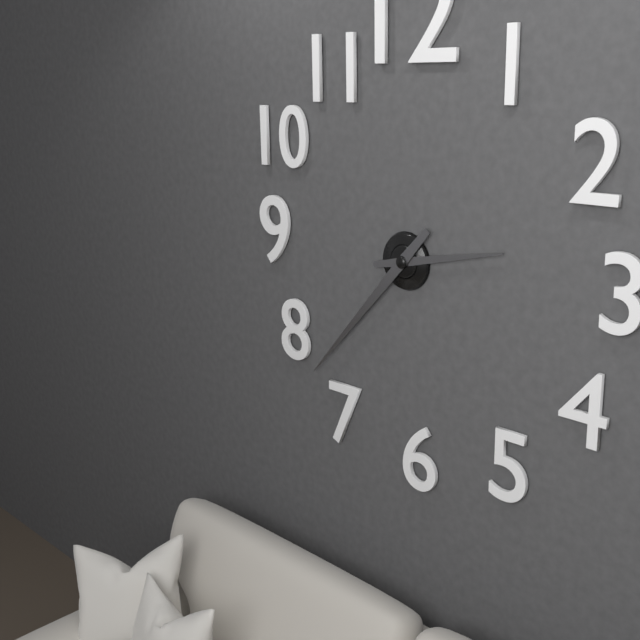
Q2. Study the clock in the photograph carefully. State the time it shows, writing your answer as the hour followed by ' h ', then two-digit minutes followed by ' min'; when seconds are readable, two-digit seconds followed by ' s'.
2 h 37 min
